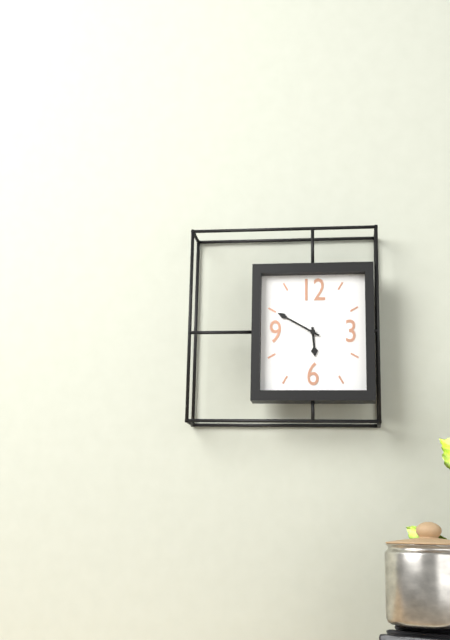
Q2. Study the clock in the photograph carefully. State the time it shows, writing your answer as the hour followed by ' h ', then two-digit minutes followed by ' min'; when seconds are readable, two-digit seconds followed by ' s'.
5 h 50 min
